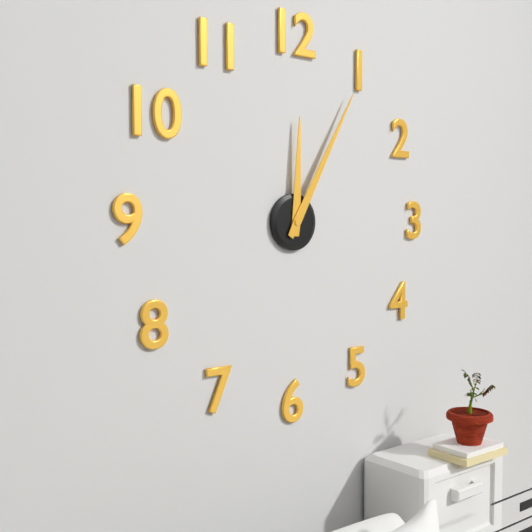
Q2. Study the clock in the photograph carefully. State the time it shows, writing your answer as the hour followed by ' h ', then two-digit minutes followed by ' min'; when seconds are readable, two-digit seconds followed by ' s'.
12 h 05 min
